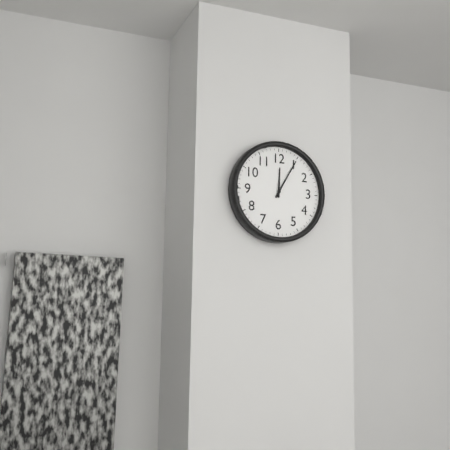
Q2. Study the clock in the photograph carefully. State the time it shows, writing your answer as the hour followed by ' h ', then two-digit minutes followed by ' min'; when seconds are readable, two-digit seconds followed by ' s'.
12 h 05 min
